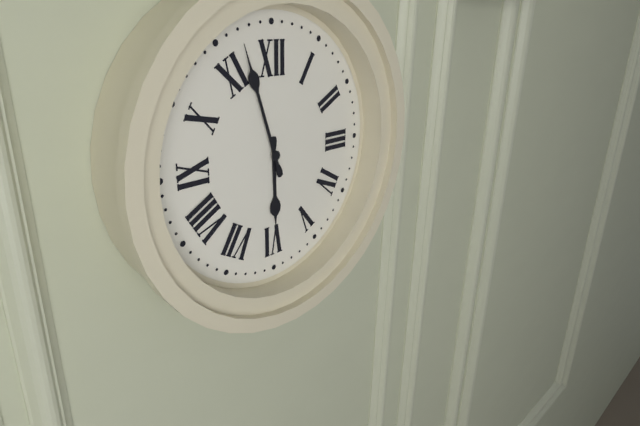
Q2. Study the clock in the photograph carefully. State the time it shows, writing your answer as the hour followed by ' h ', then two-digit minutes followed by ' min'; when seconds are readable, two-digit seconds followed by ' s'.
5 h 57 min
